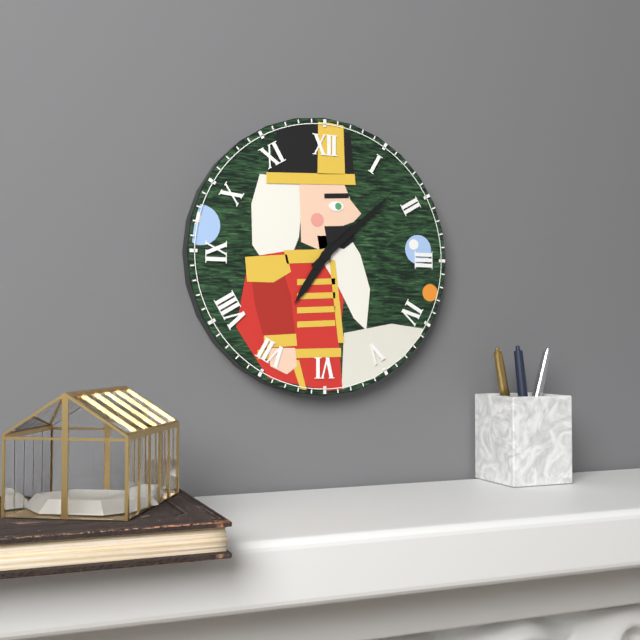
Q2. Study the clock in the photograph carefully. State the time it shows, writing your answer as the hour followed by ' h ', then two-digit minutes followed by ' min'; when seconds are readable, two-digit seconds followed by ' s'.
7 h 08 min
